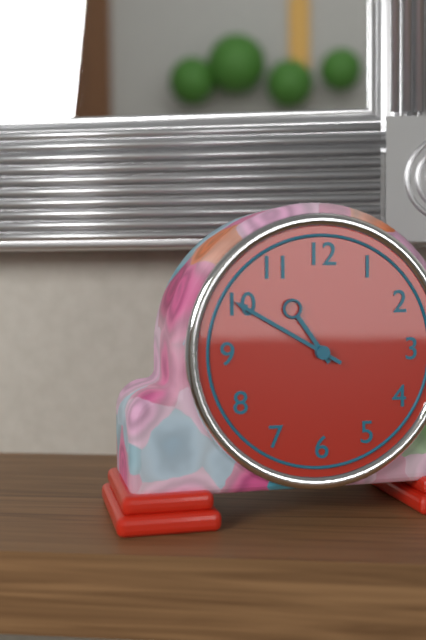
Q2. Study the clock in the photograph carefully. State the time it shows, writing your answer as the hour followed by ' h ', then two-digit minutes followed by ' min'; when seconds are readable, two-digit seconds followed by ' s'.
10 h 50 min
